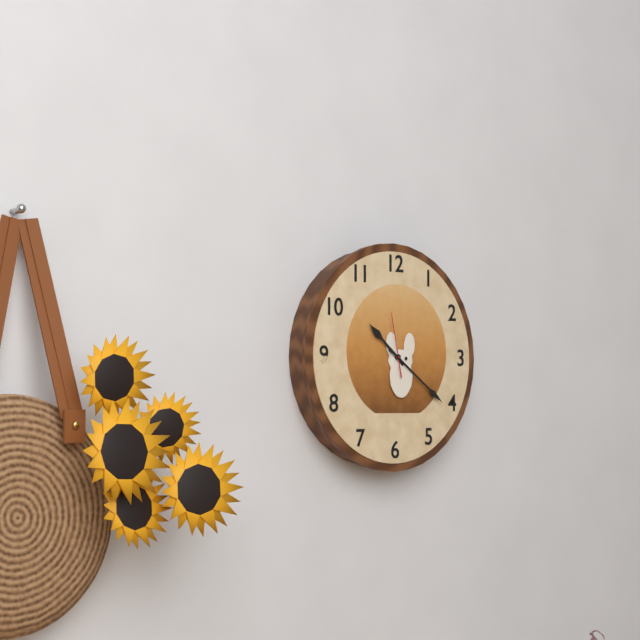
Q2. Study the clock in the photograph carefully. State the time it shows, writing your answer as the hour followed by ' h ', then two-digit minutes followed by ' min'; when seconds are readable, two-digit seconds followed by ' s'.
10 h 21 min 58 s
